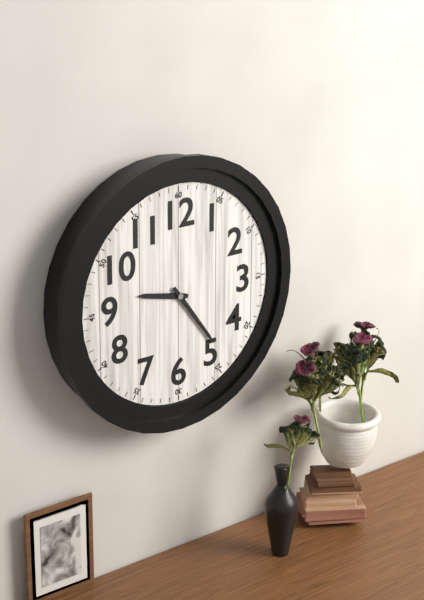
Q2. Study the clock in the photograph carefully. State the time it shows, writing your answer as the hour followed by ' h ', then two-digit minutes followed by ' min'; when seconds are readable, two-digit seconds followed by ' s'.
9 h 24 min
